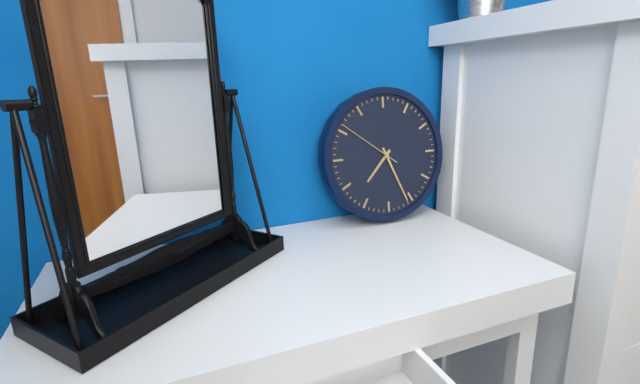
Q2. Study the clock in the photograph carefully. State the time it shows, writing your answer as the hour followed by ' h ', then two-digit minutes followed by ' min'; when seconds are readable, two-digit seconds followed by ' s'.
7 h 26 min 51 s
